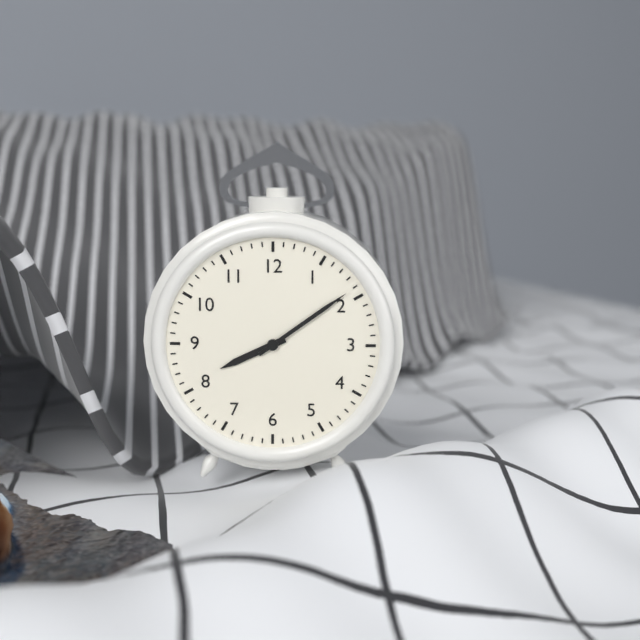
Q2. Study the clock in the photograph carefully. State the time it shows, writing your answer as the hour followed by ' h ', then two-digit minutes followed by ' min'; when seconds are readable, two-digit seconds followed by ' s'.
8 h 09 min
